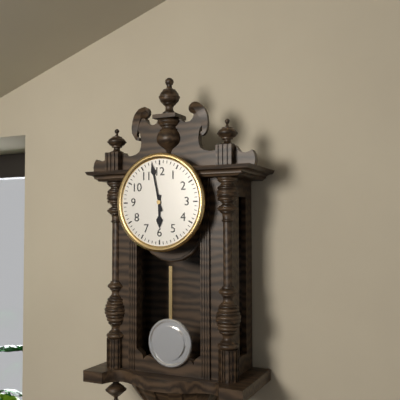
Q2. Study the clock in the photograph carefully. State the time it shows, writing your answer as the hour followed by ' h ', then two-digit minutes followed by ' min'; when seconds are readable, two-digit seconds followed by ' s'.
5 h 58 min
